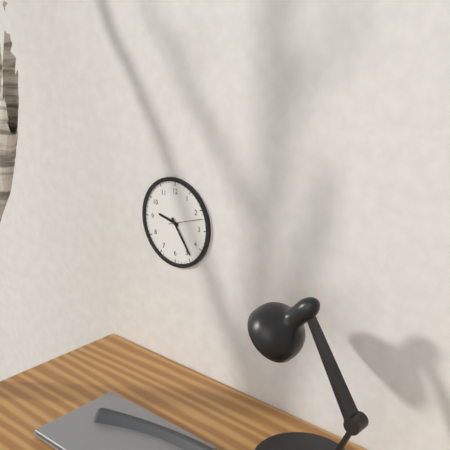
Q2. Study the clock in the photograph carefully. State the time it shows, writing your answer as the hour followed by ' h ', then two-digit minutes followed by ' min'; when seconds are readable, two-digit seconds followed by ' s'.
9 h 24 min
